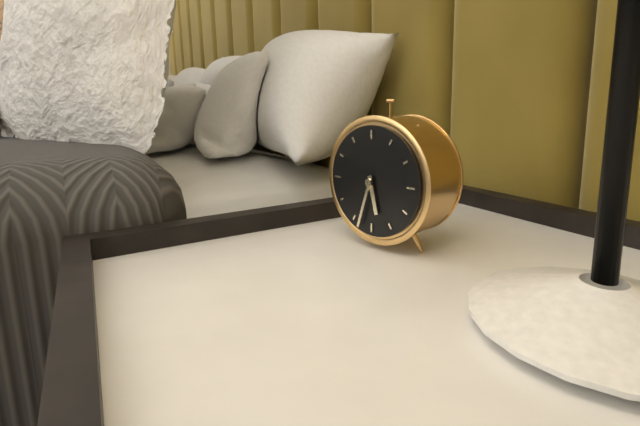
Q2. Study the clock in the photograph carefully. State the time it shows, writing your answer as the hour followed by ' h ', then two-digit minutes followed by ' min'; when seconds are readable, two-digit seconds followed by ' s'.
5 h 33 min
